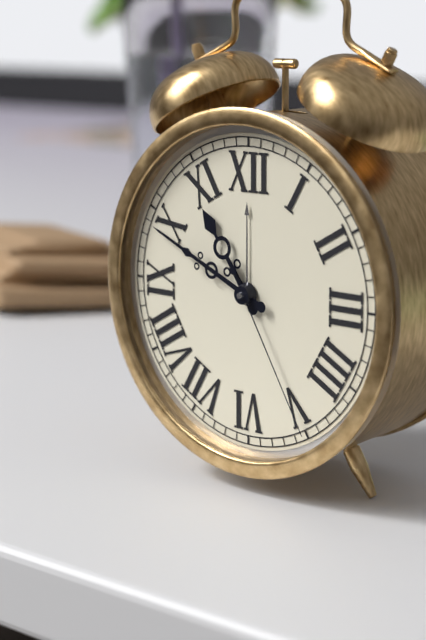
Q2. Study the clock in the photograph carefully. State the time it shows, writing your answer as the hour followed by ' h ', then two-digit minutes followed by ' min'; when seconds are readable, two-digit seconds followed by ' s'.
10 h 49 min 25 s
